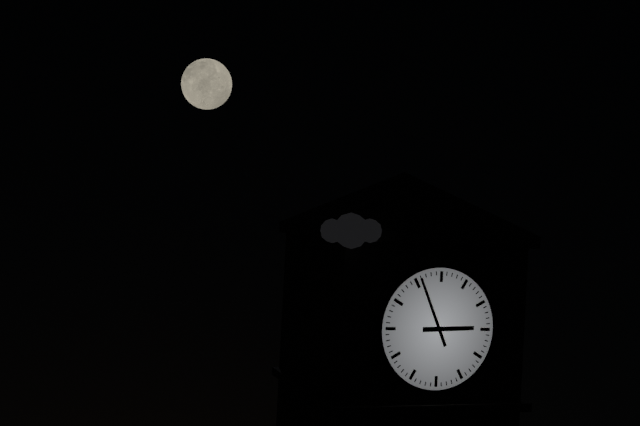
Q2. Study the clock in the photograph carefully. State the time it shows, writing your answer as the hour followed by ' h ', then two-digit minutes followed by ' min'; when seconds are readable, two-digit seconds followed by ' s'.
2 h 56 min
